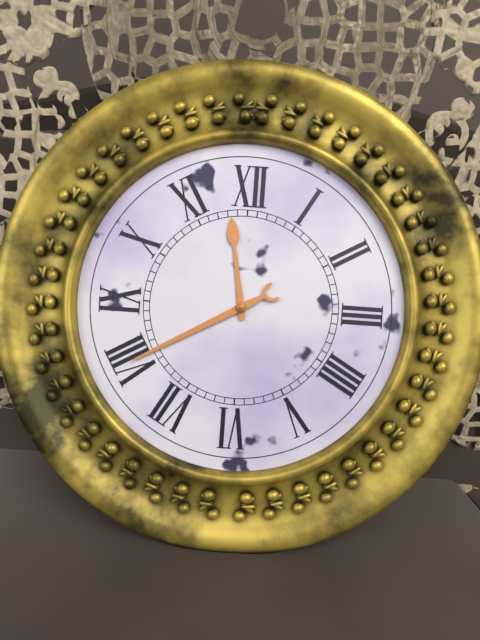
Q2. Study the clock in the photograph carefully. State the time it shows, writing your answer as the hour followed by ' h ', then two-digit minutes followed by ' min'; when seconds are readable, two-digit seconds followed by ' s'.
11 h 40 min
